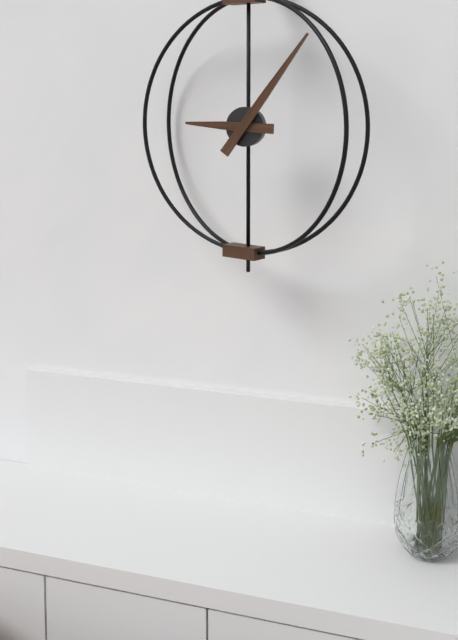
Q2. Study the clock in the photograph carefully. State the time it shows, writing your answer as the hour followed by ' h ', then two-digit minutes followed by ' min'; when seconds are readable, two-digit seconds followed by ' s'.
9 h 06 min
